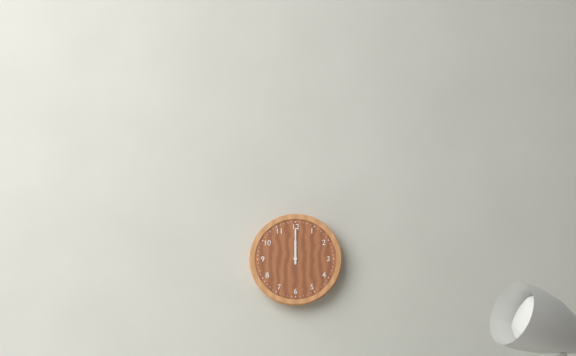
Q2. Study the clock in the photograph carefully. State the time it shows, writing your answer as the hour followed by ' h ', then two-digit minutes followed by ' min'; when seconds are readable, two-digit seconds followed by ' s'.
12 h 00 min
